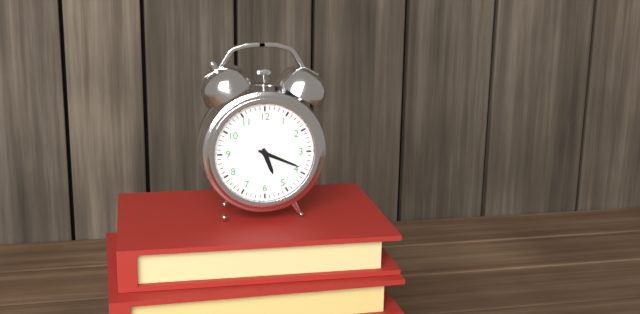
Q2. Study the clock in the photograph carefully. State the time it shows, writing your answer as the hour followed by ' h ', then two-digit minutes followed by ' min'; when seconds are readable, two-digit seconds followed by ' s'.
5 h 19 min
